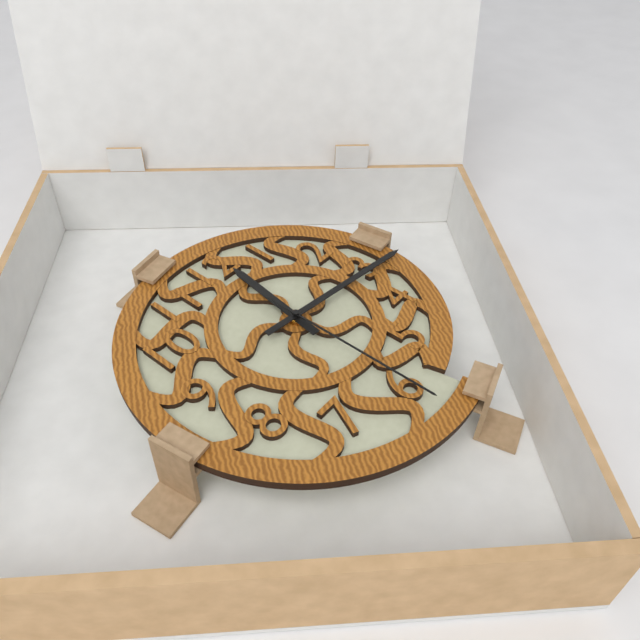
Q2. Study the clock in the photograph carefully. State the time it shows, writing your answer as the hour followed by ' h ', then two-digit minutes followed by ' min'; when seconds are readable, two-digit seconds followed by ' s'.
12 h 16 min 30 s
